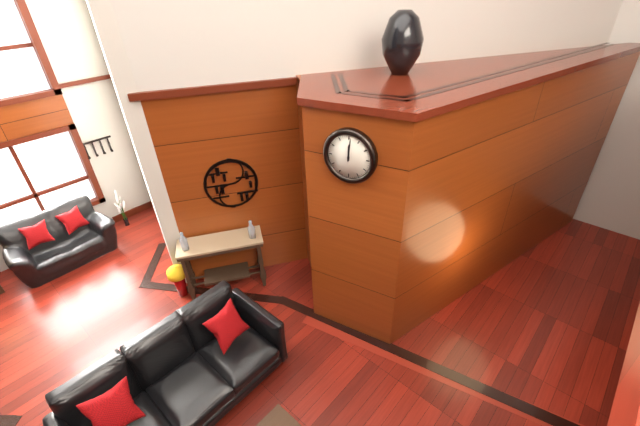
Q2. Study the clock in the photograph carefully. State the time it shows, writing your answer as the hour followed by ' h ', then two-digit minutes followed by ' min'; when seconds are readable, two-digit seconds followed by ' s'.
12 h 01 min
